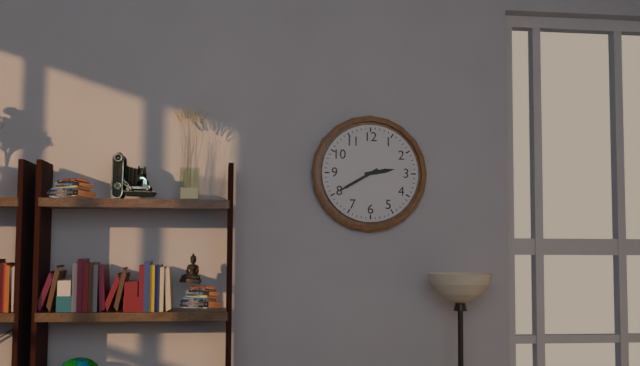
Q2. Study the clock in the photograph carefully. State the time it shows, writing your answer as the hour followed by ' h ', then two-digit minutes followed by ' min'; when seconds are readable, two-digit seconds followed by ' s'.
2 h 40 min
